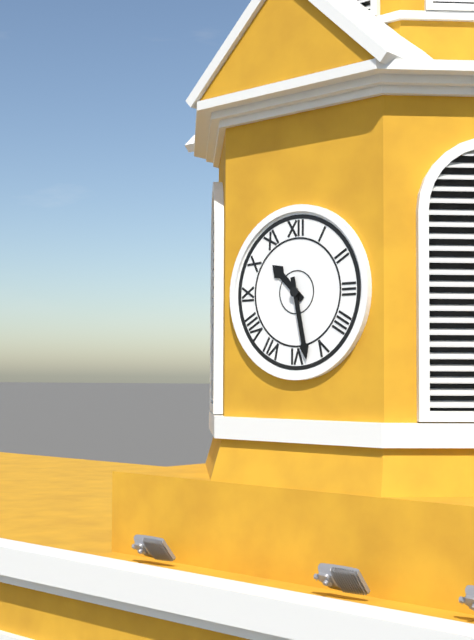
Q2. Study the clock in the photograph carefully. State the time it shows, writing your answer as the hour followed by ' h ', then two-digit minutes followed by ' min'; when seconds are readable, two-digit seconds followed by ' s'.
10 h 28 min
